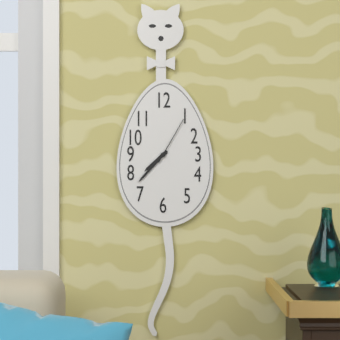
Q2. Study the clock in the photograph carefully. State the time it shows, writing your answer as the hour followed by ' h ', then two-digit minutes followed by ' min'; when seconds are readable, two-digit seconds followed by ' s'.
7 h 37 min 05 s
